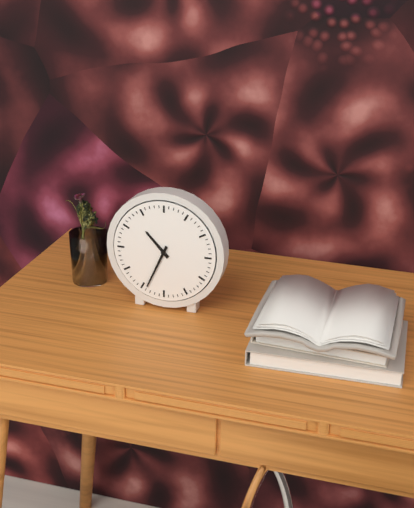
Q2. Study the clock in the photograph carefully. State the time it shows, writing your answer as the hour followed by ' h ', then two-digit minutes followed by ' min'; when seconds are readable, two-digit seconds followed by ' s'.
10 h 34 min
